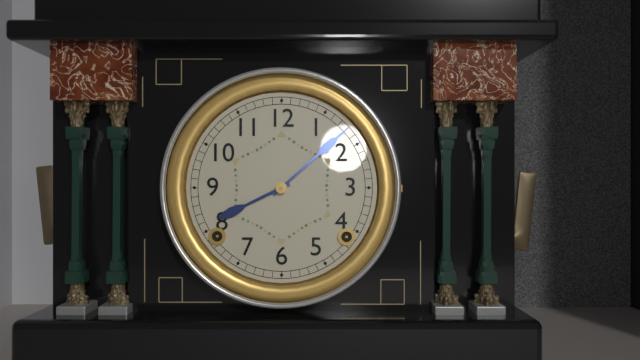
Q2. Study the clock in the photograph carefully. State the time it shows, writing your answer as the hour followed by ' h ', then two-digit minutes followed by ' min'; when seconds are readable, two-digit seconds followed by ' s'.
8 h 08 min
